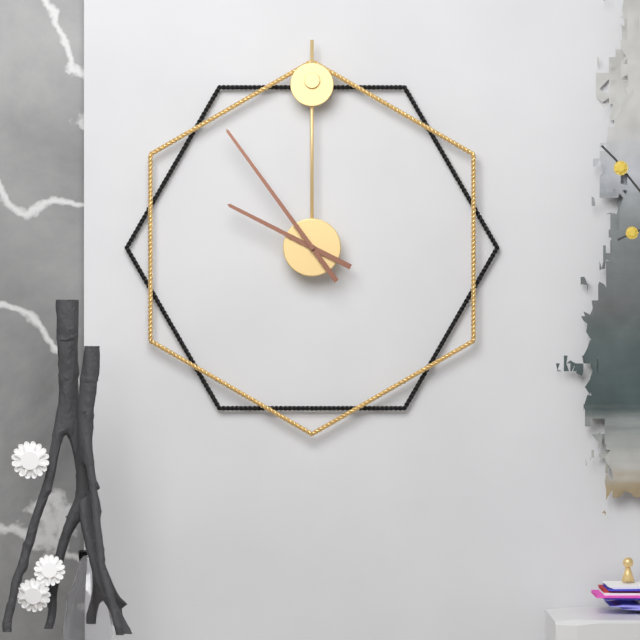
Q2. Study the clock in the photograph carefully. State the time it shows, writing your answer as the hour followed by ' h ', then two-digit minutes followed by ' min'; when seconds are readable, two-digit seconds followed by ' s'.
9 h 54 min
